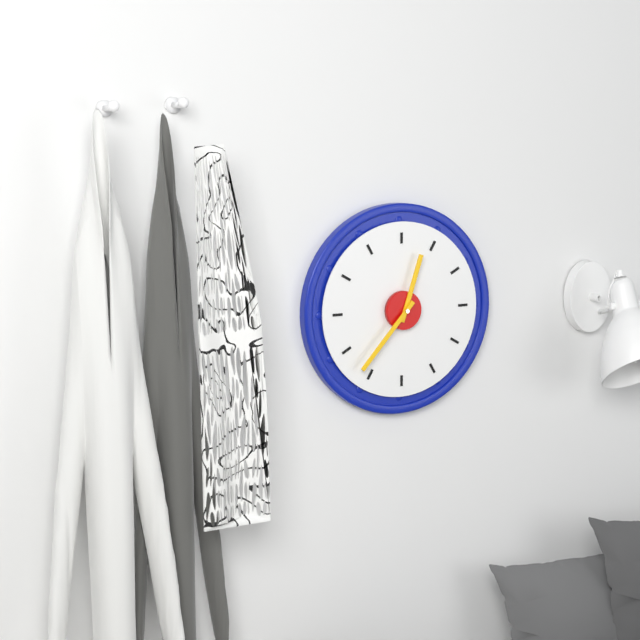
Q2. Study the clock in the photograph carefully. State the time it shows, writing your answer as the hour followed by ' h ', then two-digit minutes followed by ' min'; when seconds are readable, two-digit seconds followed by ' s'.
12 h 37 min
